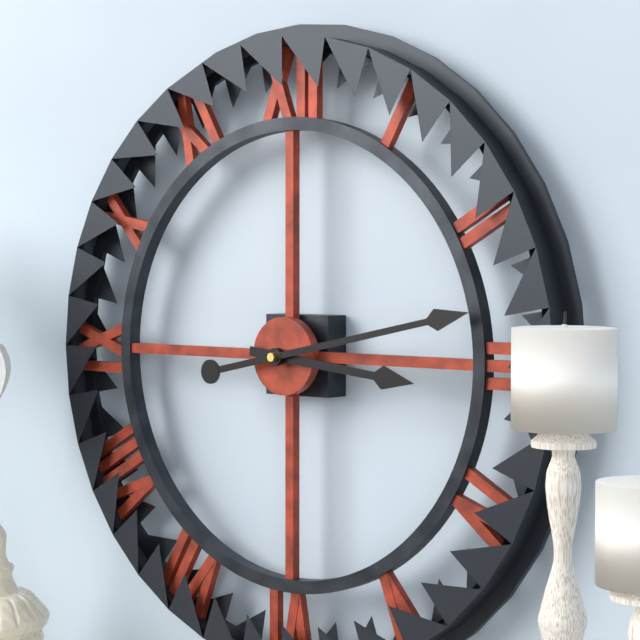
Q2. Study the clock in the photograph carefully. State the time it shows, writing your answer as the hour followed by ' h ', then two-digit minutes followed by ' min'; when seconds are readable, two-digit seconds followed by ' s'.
3 h 13 min
